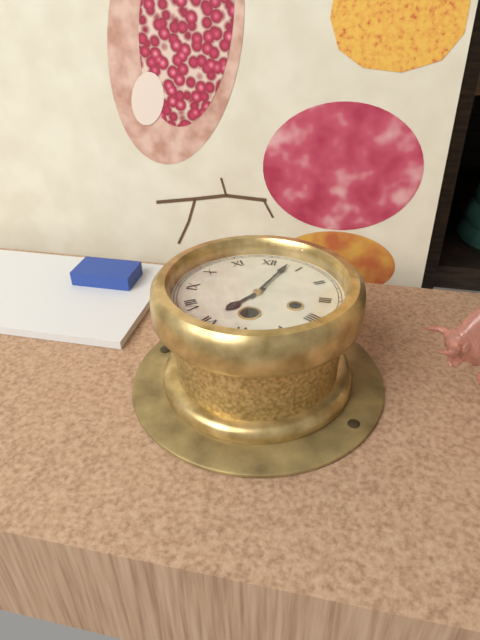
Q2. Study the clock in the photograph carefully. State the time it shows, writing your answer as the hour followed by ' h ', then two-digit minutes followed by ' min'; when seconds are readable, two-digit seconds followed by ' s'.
7 h 03 min
